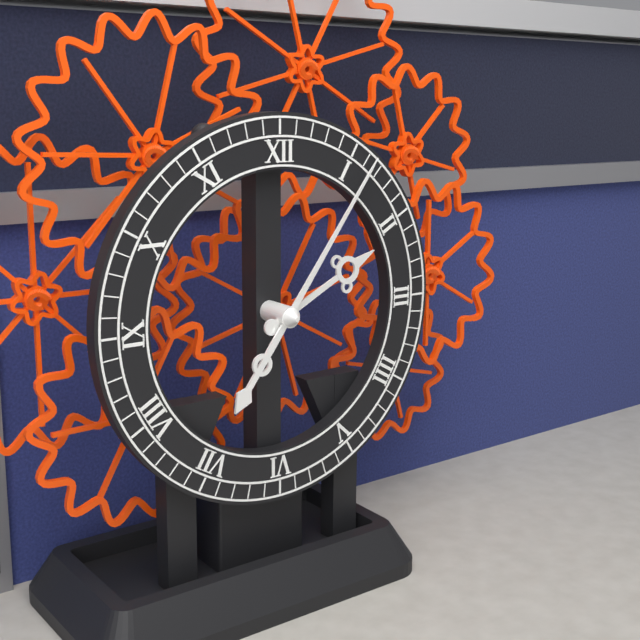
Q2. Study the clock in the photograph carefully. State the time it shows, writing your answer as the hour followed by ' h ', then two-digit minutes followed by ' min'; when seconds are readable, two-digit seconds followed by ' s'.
2 h 06 min
